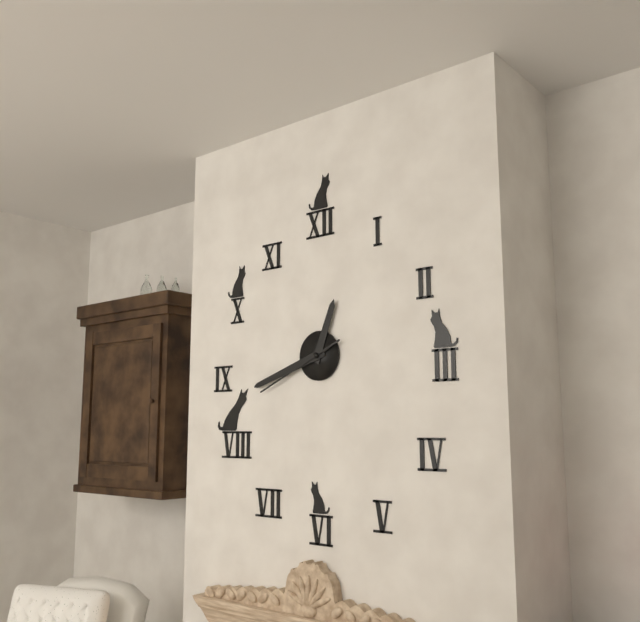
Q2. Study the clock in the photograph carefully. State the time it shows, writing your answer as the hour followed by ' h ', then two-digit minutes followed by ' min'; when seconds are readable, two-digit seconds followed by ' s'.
12 h 42 min 41 s
